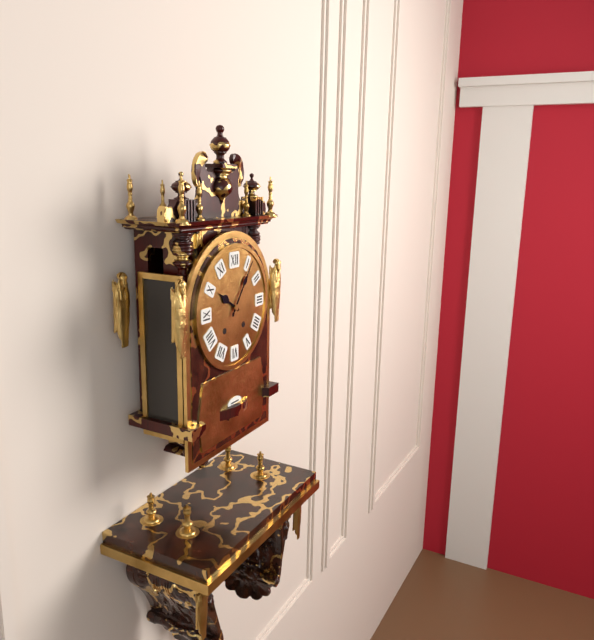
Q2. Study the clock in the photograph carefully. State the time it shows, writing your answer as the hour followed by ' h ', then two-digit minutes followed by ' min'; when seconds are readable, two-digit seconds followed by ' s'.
10 h 06 min
